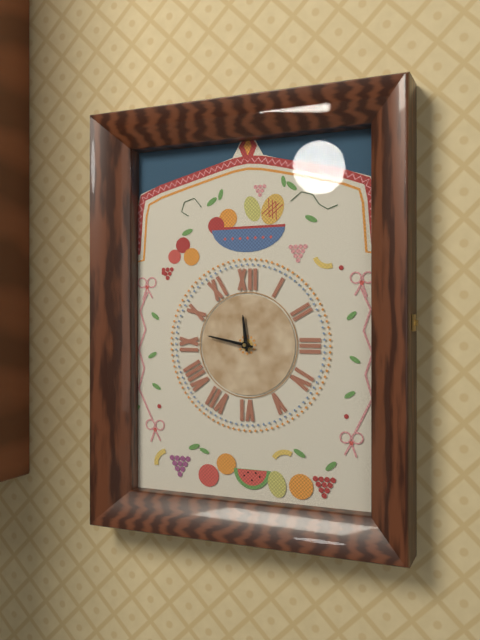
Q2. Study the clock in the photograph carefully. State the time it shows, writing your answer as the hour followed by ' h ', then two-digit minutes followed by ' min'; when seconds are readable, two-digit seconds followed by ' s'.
11 h 47 min
